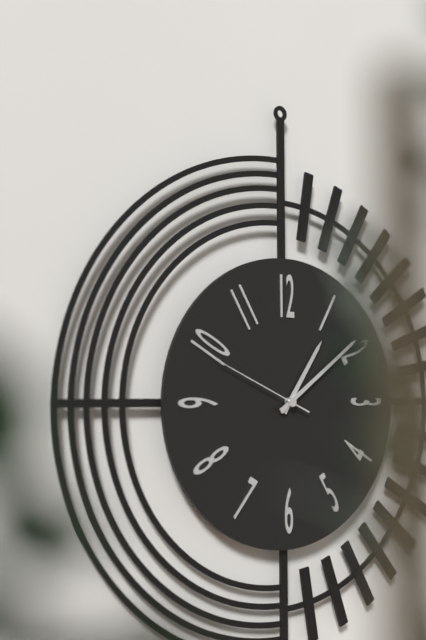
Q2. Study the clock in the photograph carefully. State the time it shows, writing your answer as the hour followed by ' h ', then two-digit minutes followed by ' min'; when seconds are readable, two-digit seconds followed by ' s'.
1 h 09 min 49 s
